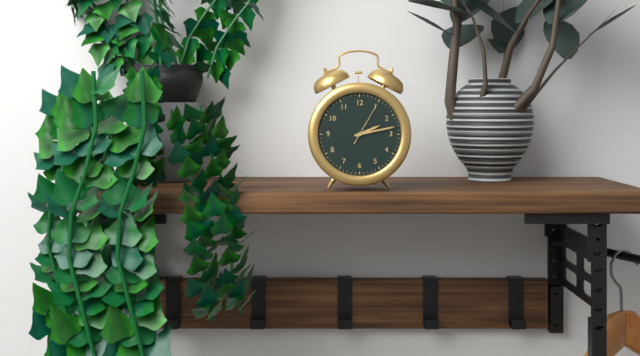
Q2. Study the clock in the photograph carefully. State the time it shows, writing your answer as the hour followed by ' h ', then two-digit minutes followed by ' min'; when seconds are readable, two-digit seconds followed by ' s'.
2 h 13 min
